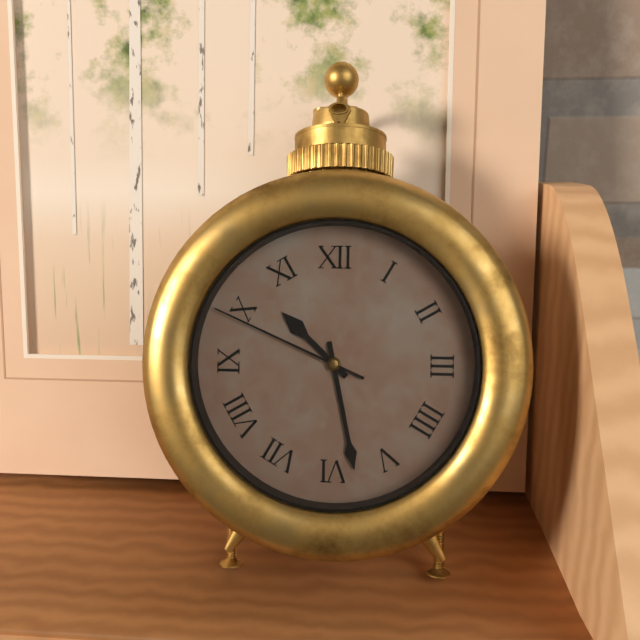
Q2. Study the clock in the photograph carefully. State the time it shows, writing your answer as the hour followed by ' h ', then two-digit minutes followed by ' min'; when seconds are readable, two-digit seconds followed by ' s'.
10 h 28 min 49 s
